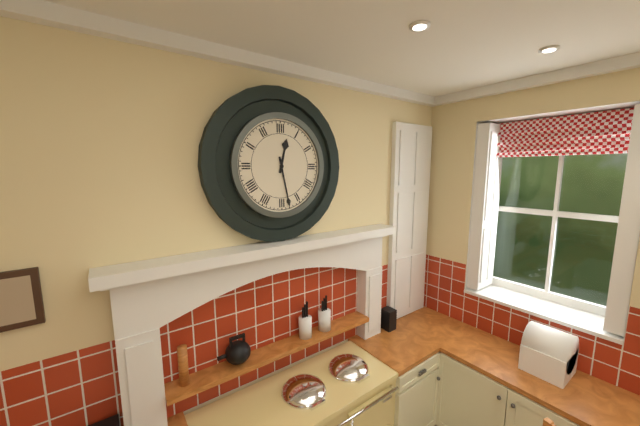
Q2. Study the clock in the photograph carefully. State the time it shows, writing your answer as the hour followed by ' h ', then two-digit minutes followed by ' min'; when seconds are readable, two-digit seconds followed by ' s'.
12 h 28 min
